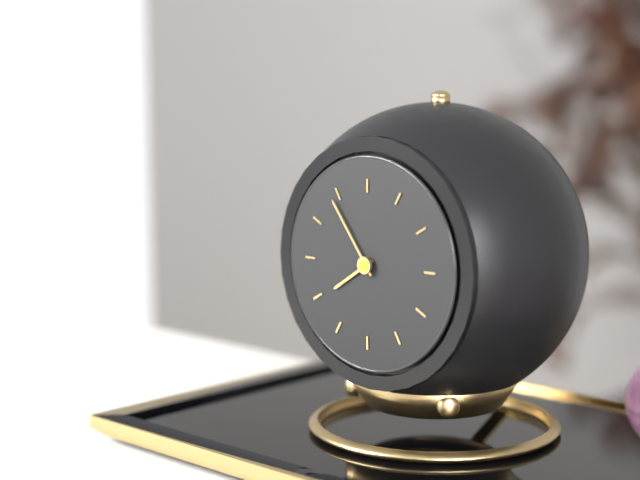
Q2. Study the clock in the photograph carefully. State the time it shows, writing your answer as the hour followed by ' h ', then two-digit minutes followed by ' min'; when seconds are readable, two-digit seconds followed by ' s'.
7 h 54 min
